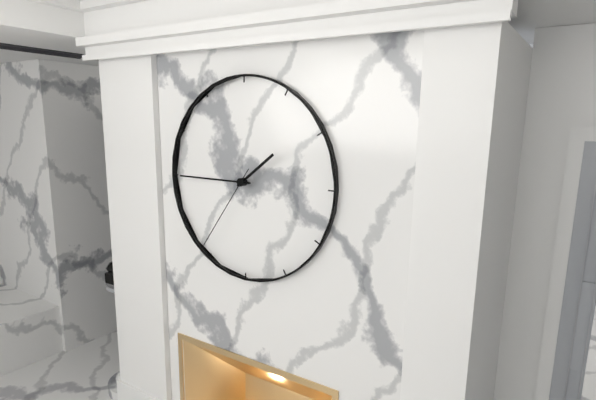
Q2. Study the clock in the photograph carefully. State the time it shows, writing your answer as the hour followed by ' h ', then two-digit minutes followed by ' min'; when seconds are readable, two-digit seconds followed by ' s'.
1 h 45 min 36 s
